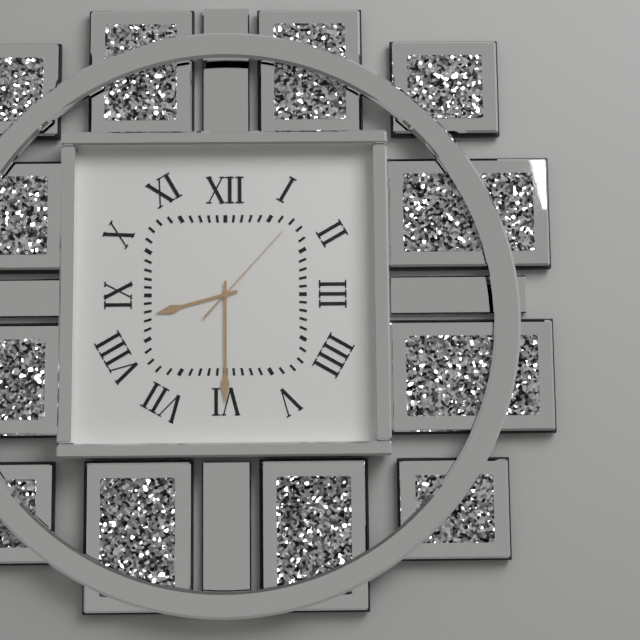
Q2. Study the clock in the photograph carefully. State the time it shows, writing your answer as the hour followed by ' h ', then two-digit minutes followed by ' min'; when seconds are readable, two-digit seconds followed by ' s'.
8 h 30 min 07 s
